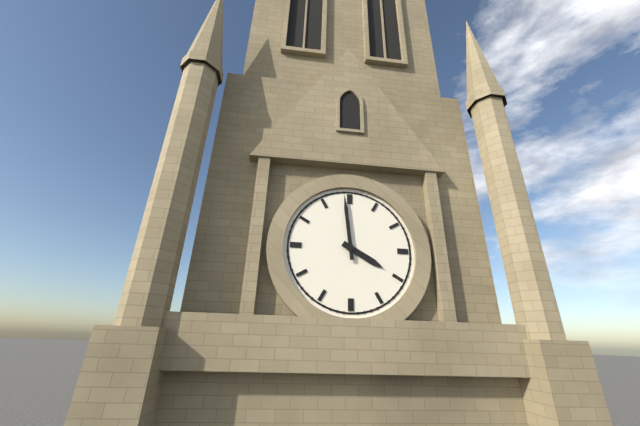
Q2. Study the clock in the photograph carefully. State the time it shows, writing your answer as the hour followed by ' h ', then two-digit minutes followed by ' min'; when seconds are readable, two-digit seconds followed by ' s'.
3 h 59 min
